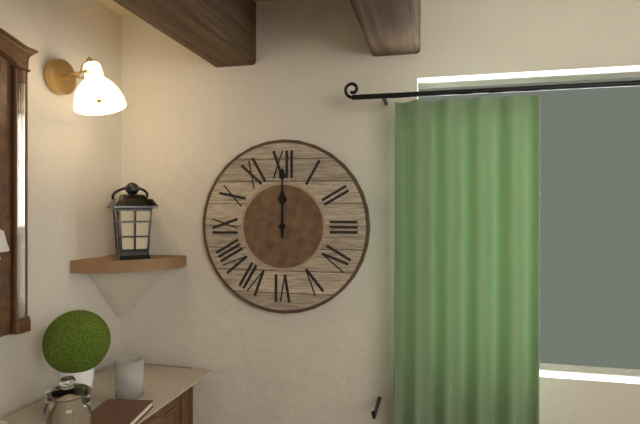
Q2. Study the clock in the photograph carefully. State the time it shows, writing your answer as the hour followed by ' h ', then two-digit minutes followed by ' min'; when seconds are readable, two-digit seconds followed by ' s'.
12 h 00 min
